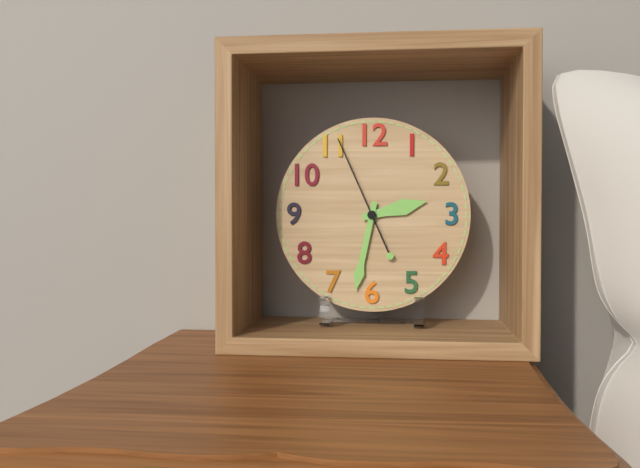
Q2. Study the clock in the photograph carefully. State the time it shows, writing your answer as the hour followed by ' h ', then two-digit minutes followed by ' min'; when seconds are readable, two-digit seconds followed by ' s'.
2 h 32 min 56 s
